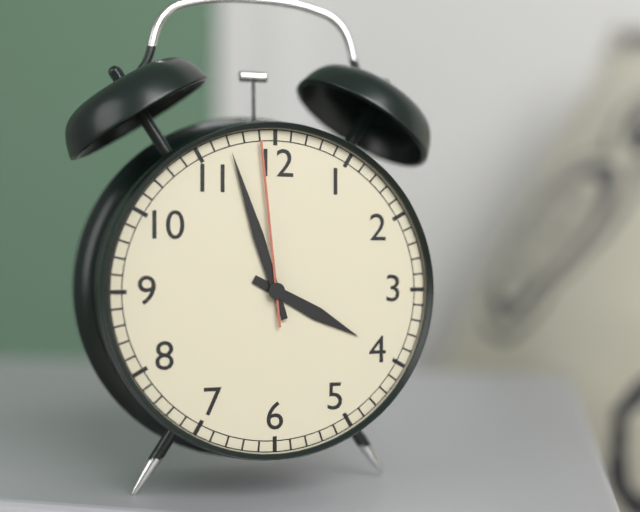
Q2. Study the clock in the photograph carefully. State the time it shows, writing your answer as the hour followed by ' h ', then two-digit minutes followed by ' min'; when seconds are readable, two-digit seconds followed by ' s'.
3 h 57 min 59 s
